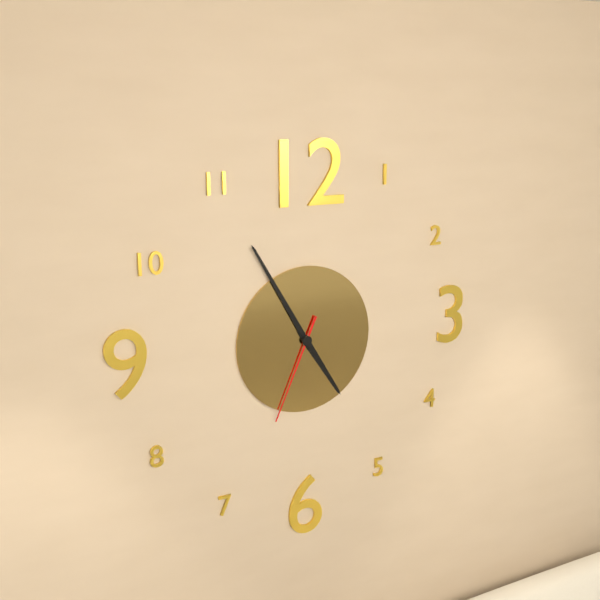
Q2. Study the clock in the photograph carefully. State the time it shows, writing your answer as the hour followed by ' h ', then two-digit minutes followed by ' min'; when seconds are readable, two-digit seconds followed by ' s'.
4 h 55 min 34 s
